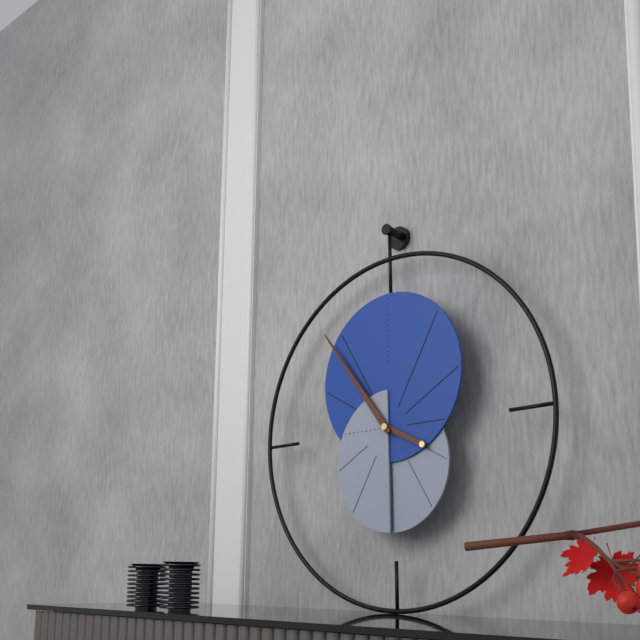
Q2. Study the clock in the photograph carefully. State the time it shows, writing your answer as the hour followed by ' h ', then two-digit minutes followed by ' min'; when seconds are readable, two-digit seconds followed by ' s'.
3 h 54 min
